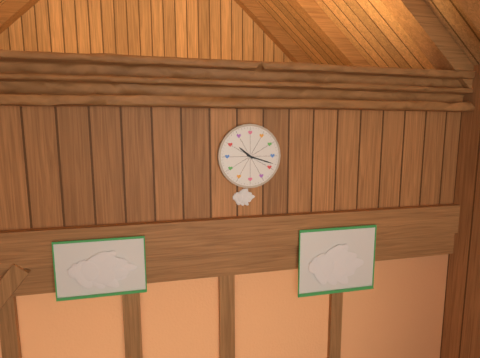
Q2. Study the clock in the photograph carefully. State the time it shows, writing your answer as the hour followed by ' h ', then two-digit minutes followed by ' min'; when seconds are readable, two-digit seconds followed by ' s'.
10 h 18 min
